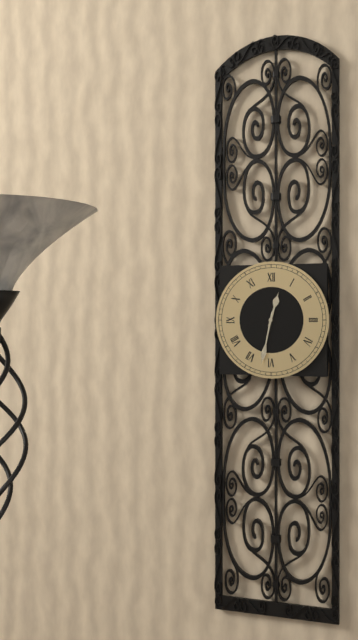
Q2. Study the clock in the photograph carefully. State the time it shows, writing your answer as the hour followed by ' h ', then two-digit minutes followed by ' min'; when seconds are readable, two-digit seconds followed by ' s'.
12 h 32 min
